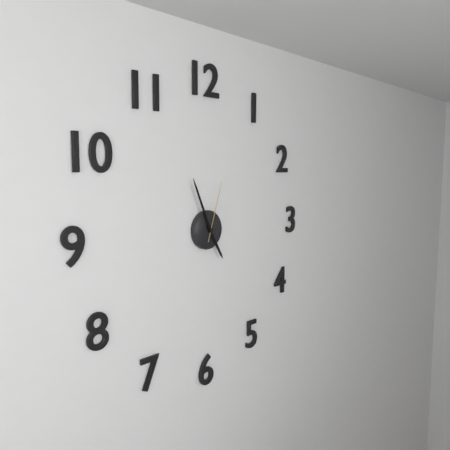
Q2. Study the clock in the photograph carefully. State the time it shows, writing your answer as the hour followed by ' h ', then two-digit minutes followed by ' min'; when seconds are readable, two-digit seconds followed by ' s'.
4 h 56 min 03 s
